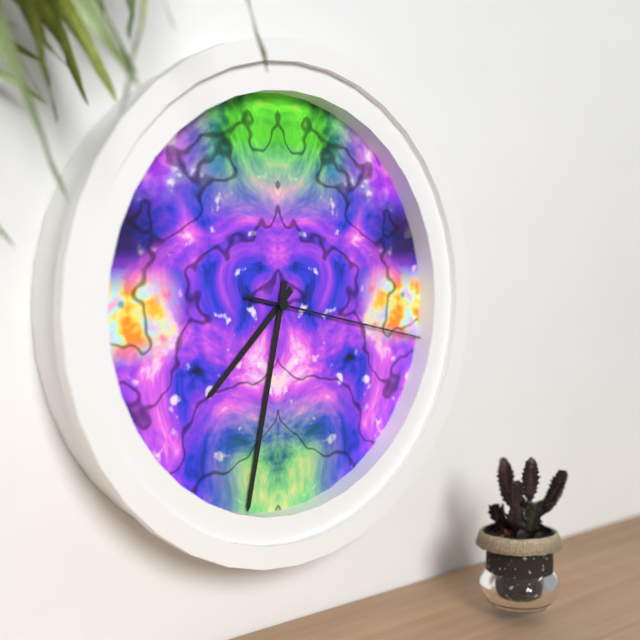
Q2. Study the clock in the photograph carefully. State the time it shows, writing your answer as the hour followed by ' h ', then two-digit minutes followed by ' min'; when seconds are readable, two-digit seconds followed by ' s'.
7 h 32 min 17 s
